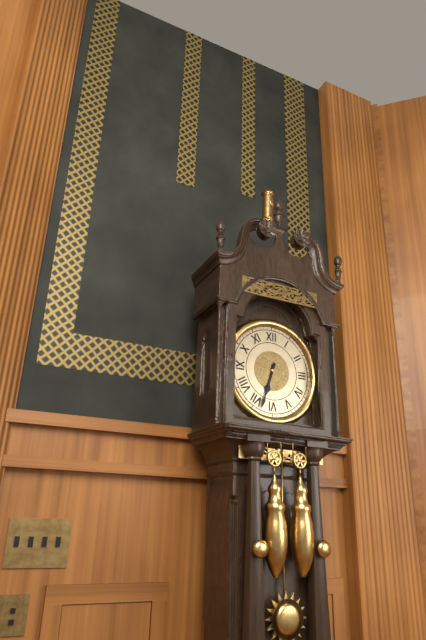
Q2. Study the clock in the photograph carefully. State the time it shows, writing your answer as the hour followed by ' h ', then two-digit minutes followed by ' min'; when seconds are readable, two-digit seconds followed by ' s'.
6 h 33 min
